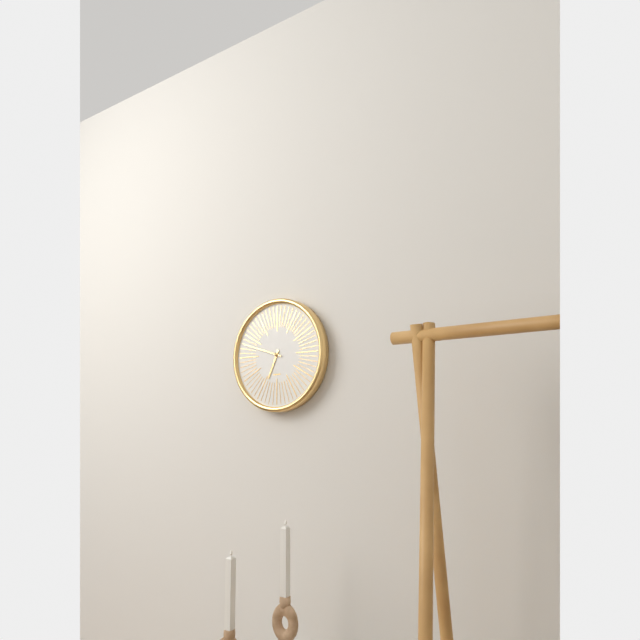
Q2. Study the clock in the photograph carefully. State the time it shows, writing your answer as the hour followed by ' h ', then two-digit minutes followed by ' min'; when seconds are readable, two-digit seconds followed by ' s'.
6 h 48 min
